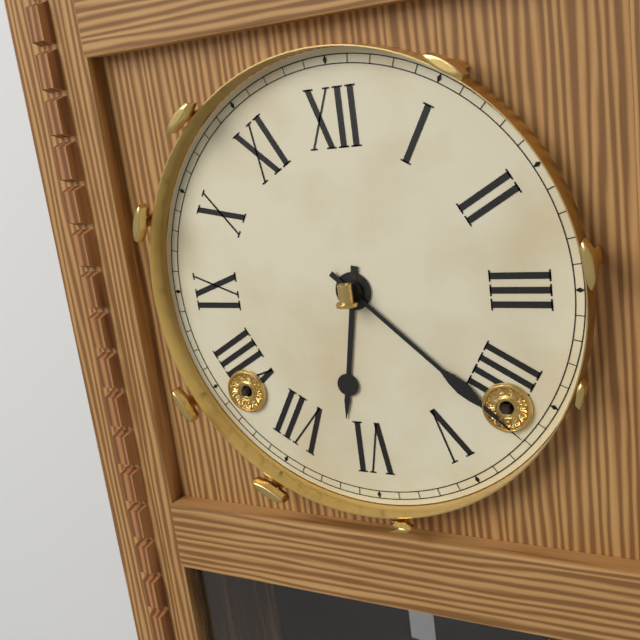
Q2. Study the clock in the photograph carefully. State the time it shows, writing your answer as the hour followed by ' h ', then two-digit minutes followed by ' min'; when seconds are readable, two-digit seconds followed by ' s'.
6 h 22 min
